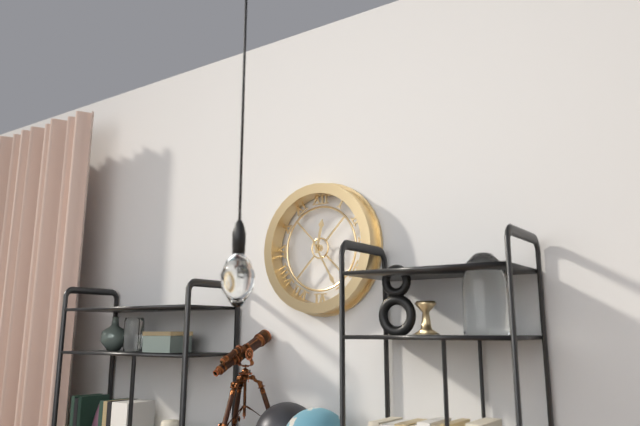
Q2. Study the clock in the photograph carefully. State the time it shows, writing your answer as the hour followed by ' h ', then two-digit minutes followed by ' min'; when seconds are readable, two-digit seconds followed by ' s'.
12 h 25 min
